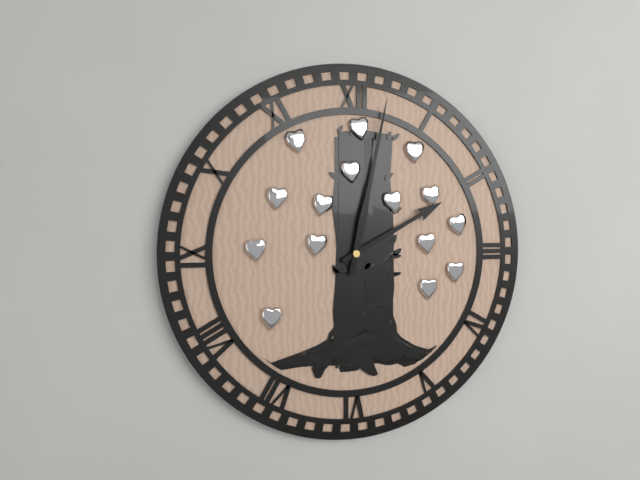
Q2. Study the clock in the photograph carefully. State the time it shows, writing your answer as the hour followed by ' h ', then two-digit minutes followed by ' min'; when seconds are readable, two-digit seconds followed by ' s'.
2 h 02 min
